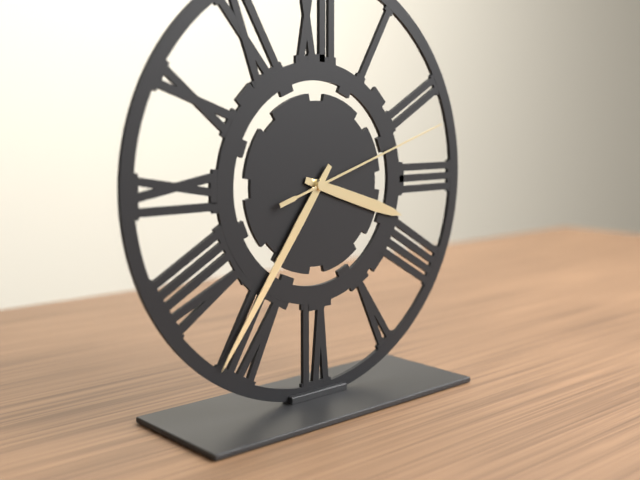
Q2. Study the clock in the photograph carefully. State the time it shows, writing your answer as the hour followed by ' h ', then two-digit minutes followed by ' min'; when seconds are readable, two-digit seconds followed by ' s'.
3 h 36 min 12 s
